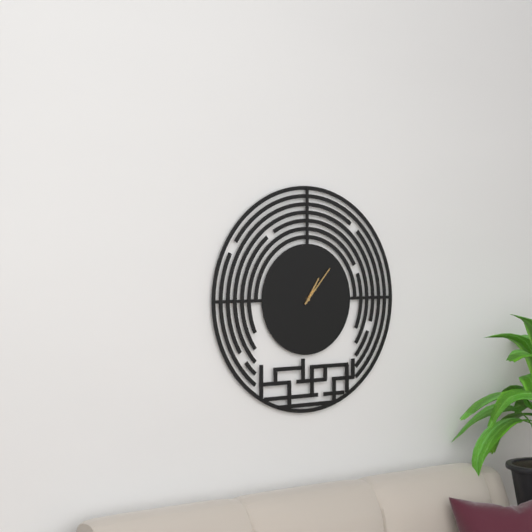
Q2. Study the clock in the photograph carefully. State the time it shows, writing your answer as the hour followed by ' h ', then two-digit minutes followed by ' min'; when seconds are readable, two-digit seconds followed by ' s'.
1 h 07 min
